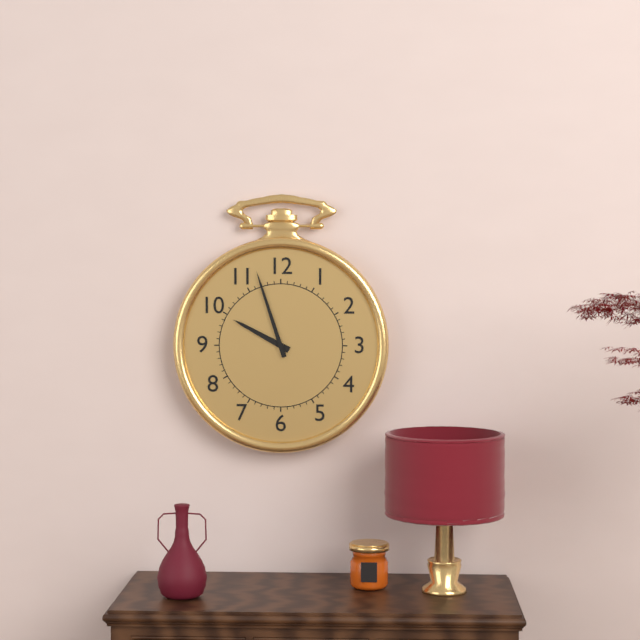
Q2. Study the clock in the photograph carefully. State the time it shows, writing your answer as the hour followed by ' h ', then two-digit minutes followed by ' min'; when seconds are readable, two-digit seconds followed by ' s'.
9 h 57 min
